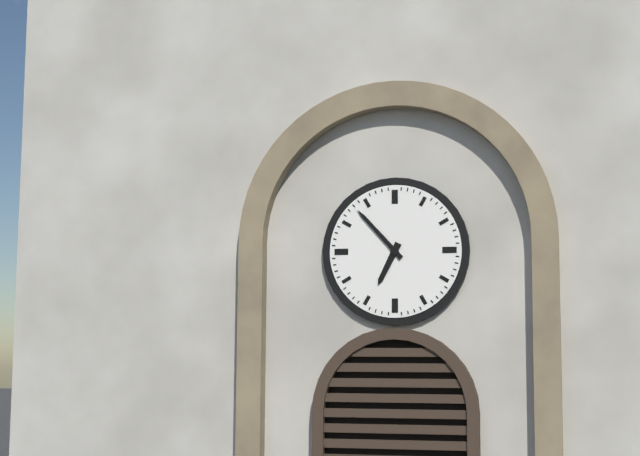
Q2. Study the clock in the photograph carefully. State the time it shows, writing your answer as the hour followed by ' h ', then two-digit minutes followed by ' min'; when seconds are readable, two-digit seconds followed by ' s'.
6 h 53 min
